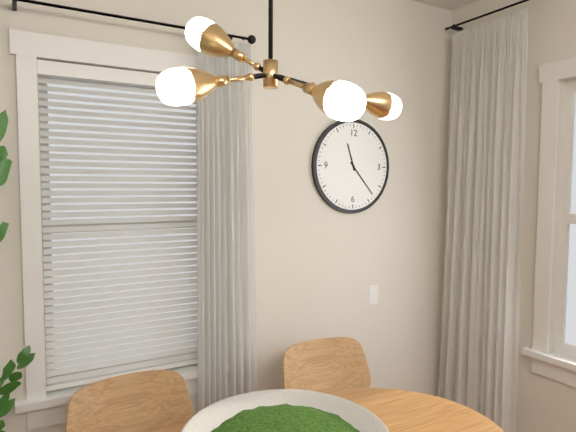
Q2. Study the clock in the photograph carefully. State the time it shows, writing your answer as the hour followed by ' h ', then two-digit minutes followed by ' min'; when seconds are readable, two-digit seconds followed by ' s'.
11 h 23 min
